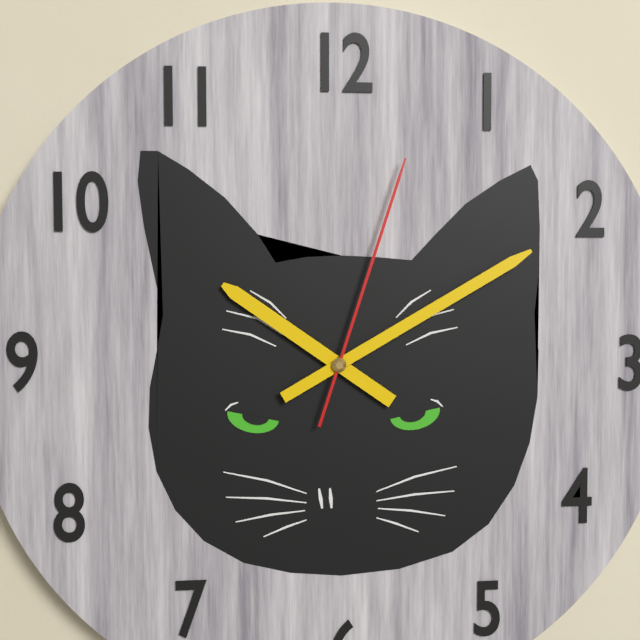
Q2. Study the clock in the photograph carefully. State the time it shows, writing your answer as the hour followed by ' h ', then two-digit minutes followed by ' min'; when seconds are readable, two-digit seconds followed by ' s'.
10 h 10 min 03 s
